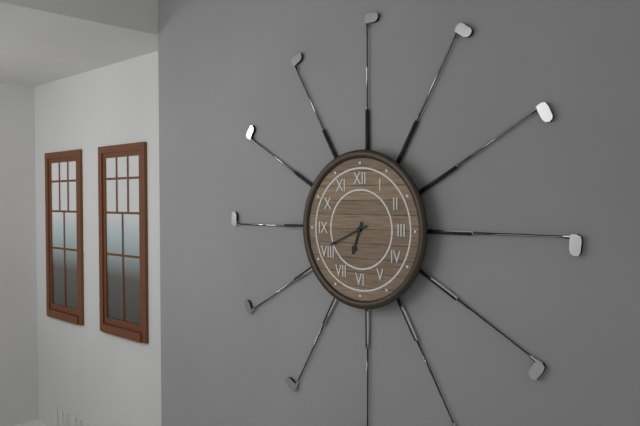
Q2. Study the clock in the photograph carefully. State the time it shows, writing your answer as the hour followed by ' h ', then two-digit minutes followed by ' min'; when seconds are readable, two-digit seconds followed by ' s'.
6 h 41 min
